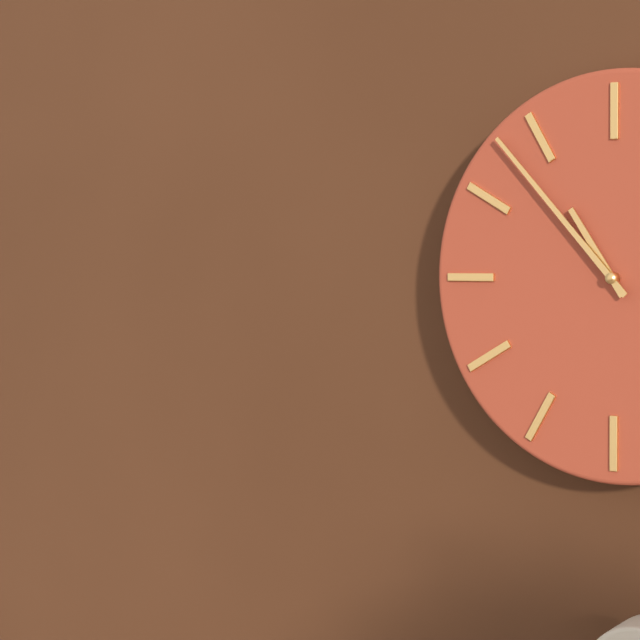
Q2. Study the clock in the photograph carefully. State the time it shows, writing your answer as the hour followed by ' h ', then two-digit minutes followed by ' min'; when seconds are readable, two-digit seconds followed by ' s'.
10 h 53 min
